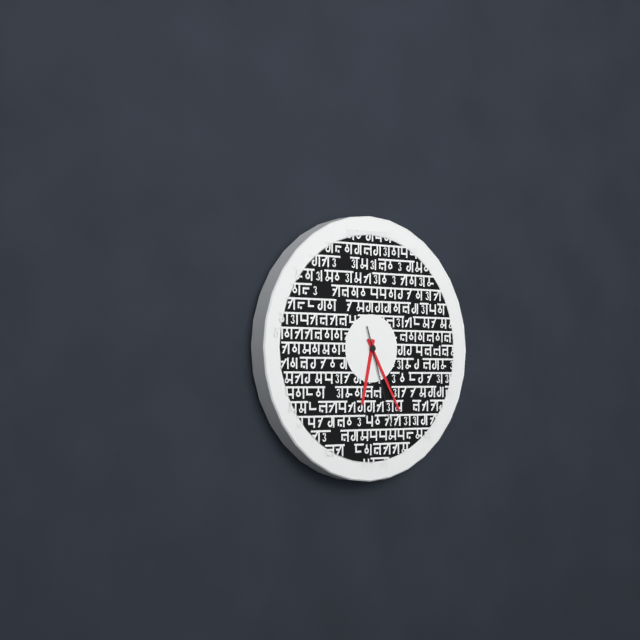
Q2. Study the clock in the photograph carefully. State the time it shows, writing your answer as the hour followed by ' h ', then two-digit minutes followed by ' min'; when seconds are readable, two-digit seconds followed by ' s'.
6 h 25 min 27 s
